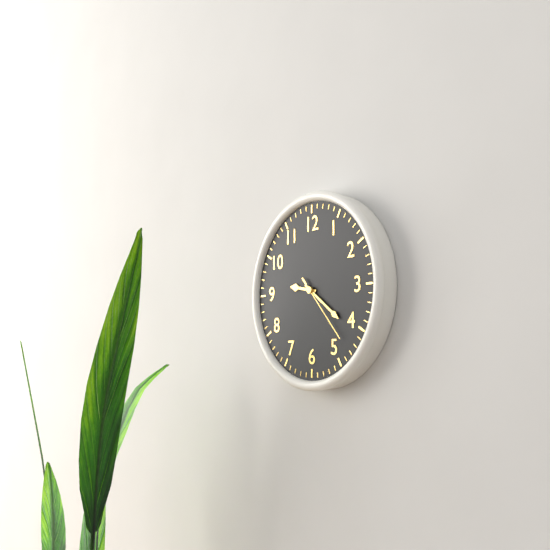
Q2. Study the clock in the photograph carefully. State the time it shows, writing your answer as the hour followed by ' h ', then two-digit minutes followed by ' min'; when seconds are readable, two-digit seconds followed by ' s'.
9 h 21 min 23 s
